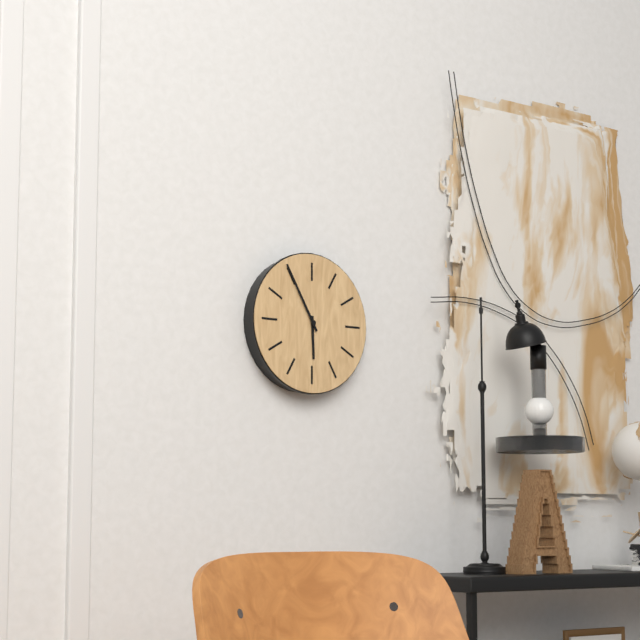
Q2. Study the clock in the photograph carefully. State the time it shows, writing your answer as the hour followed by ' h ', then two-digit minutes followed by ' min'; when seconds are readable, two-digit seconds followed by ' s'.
5 h 55 min
